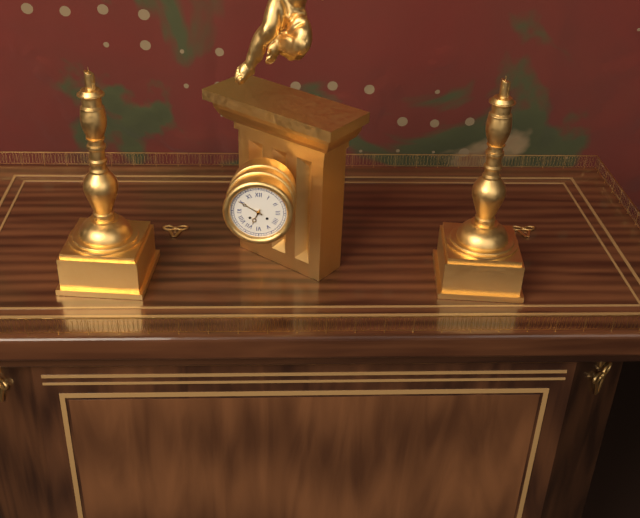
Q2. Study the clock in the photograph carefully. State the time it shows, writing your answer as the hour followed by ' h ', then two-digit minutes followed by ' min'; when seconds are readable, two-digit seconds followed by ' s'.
6 h 50 min
